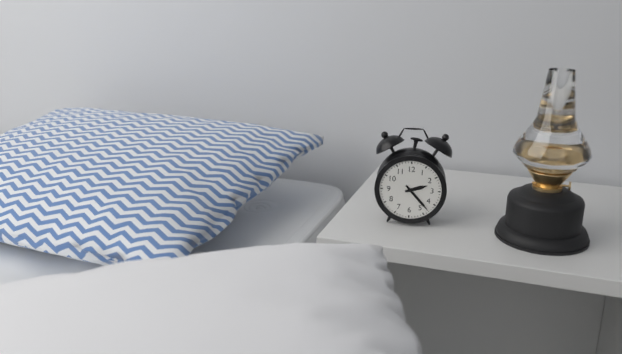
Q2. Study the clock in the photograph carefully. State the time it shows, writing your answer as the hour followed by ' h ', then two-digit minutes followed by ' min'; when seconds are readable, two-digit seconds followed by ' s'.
2 h 23 min
